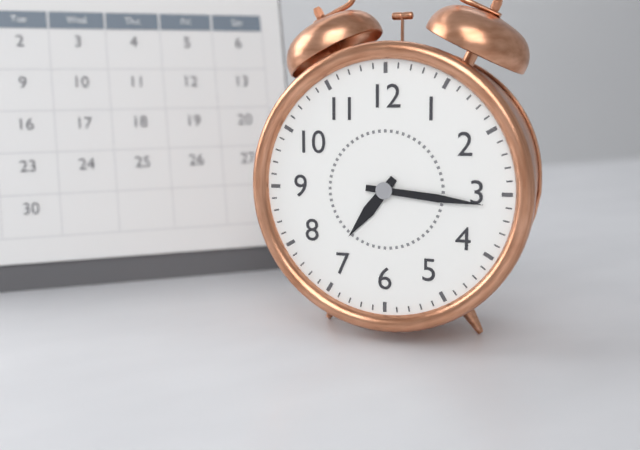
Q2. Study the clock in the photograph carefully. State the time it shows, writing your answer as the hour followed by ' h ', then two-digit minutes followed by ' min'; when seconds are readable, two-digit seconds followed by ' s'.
7 h 16 min
